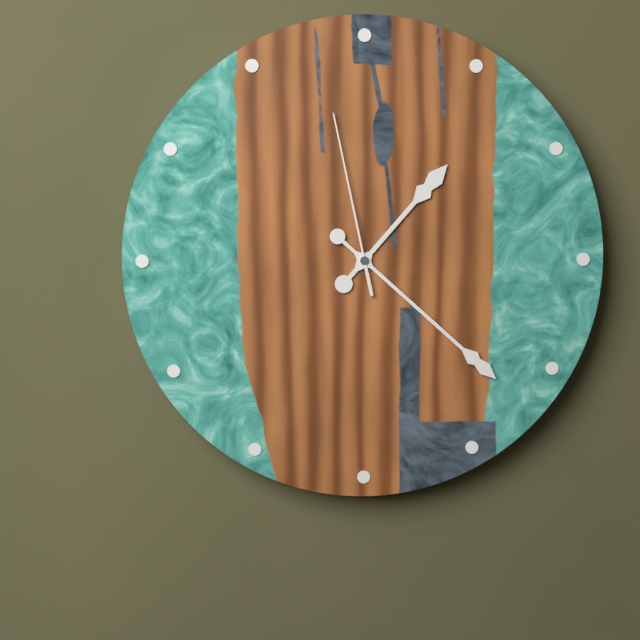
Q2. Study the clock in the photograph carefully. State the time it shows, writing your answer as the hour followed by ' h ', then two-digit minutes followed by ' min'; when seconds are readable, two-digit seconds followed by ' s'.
1 h 22 min 58 s
